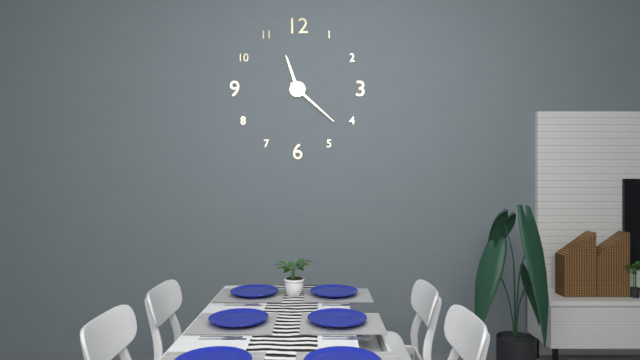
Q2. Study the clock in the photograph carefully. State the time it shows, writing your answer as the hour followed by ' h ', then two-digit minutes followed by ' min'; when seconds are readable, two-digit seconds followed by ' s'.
11 h 22 min
